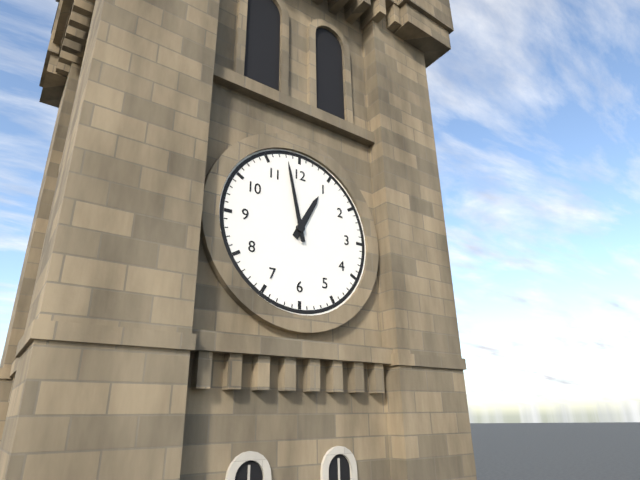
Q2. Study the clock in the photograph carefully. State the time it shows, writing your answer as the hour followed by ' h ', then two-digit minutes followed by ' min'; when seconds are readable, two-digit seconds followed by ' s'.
12 h 58 min
